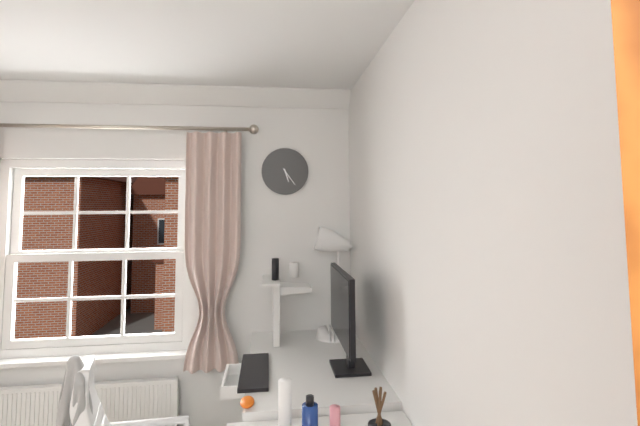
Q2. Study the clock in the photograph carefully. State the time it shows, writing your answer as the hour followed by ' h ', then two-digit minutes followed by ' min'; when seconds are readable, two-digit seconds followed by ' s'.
5 h 24 min
